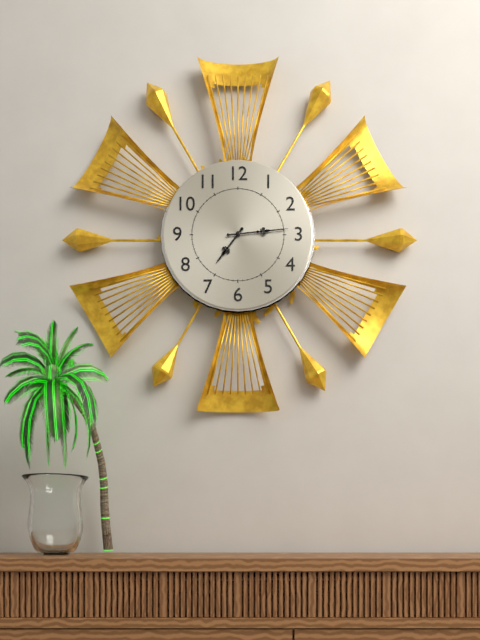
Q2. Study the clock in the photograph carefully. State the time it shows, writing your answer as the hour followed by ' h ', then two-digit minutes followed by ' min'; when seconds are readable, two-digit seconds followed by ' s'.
7 h 14 min
